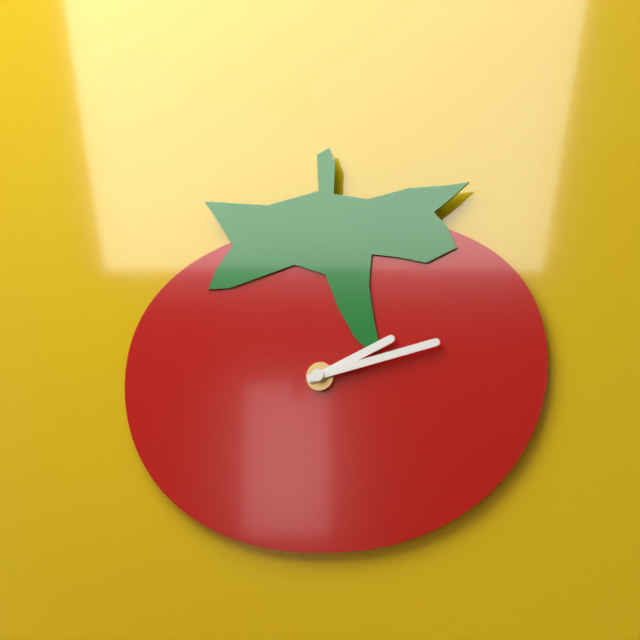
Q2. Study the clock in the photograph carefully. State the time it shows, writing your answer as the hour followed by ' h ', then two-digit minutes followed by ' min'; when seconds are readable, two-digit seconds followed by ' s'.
2 h 13 min
